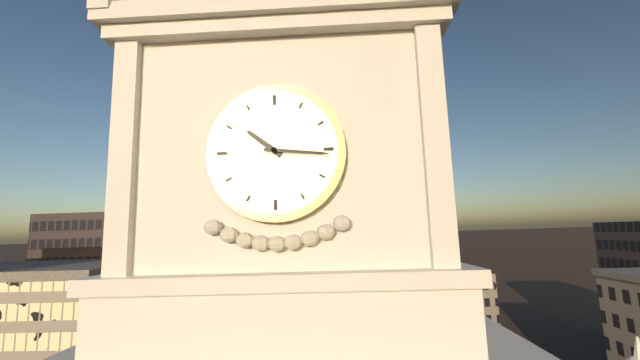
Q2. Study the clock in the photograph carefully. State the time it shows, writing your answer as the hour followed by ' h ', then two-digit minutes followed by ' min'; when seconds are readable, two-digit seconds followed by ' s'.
10 h 16 min
